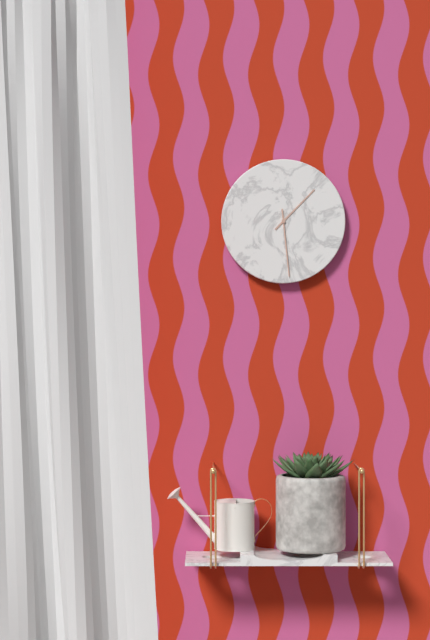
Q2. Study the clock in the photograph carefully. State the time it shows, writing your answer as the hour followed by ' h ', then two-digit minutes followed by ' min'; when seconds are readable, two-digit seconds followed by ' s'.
1 h 29 min
